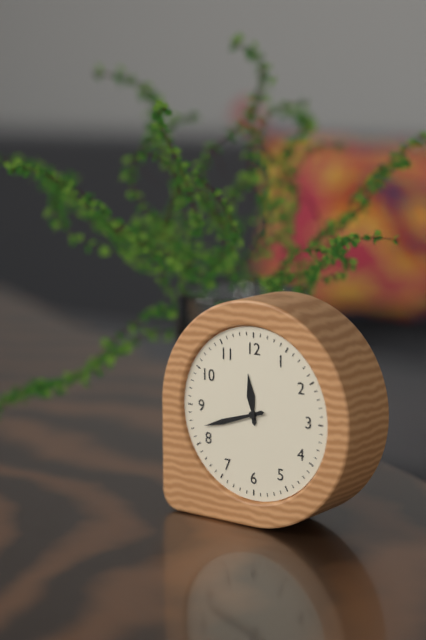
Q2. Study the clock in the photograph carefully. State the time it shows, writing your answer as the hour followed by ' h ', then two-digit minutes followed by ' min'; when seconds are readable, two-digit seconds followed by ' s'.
11 h 42 min
